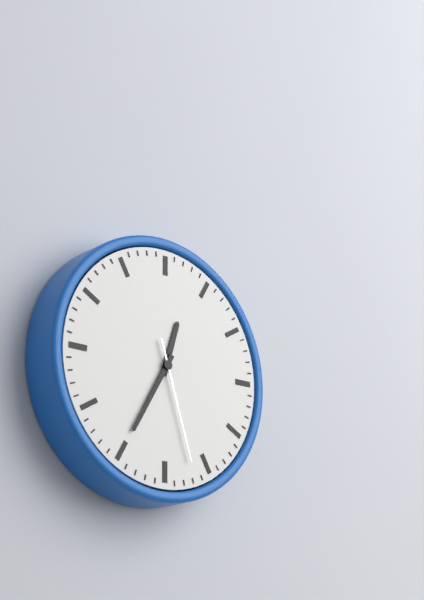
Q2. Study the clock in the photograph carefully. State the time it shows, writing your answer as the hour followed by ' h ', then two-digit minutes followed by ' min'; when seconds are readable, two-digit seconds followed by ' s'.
12 h 35 min 27 s
